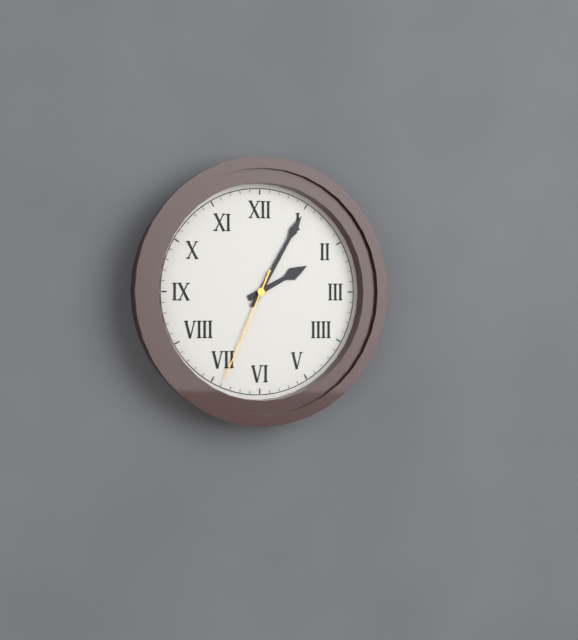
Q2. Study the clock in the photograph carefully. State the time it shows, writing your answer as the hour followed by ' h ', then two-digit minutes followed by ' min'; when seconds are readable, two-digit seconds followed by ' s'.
2 h 05 min 34 s
